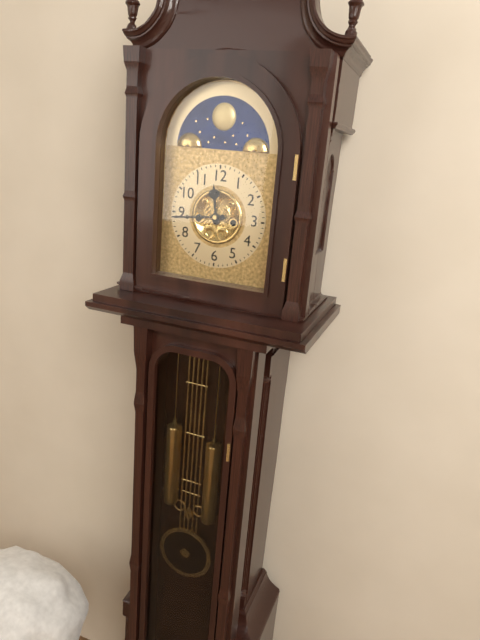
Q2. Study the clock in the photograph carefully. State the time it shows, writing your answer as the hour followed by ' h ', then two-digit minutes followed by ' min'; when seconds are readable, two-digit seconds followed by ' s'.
11 h 44 min
